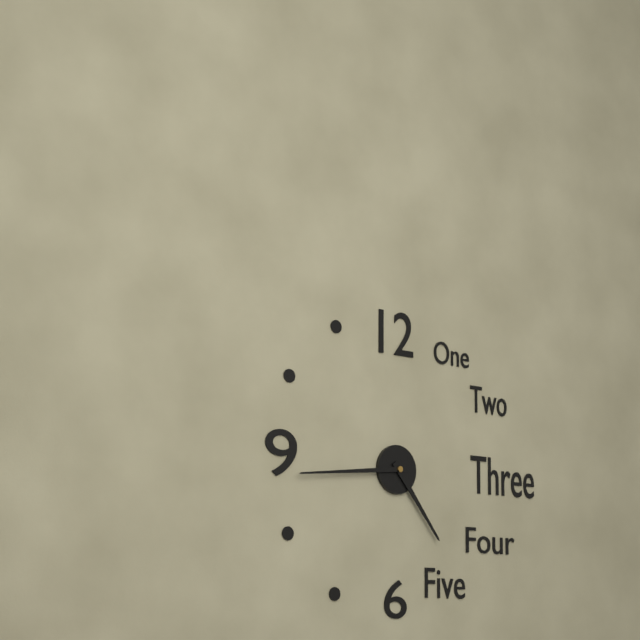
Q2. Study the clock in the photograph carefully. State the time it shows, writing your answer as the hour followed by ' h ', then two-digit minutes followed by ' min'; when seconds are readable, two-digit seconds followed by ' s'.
4 h 44 min
